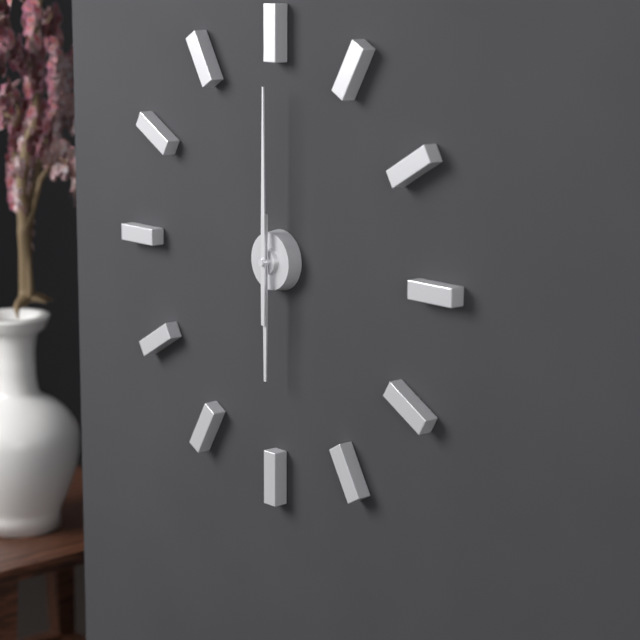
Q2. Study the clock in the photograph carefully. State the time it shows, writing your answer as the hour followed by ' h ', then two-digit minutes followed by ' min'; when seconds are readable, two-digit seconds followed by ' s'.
6 h 00 min
